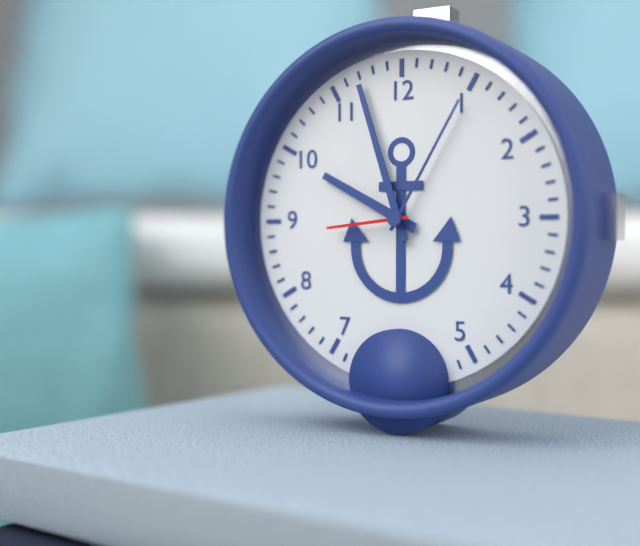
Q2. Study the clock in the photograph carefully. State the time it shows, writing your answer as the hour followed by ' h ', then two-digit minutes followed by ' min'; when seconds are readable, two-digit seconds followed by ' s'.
9 h 57 min 44 s
